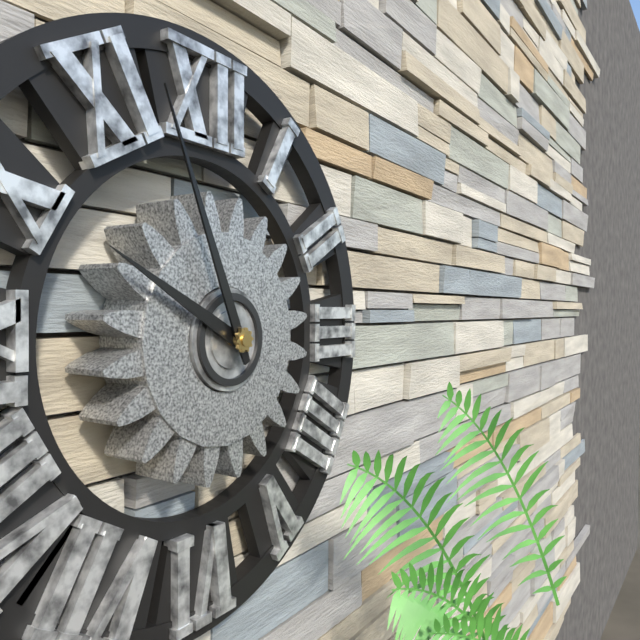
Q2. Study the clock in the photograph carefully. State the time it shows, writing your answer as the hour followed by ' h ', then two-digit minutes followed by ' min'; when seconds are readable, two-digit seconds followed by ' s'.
9 h 56 min
